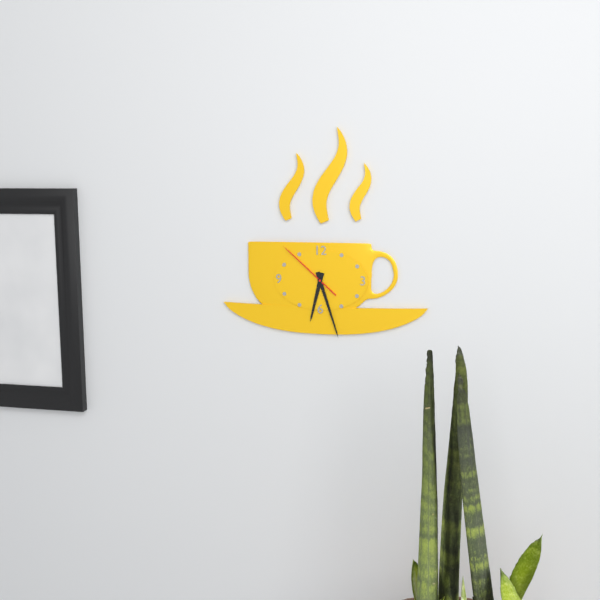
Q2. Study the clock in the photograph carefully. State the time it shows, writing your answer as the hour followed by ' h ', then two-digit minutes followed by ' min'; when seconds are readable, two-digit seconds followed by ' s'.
6 h 27 min 52 s
